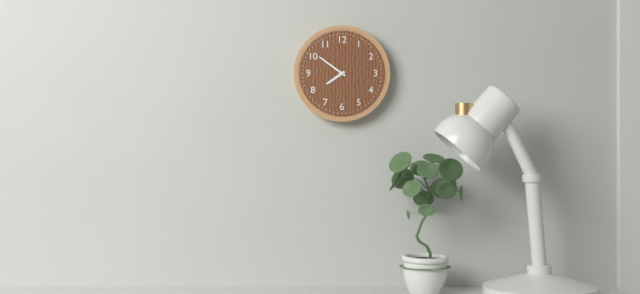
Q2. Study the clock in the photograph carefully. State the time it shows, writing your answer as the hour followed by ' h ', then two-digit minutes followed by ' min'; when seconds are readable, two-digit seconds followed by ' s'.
7 h 51 min
